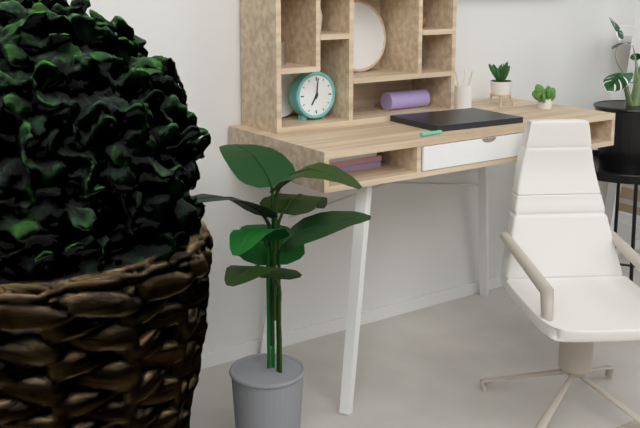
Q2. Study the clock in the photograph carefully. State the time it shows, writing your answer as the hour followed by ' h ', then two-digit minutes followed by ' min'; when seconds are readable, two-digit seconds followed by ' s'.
7 h 01 min
